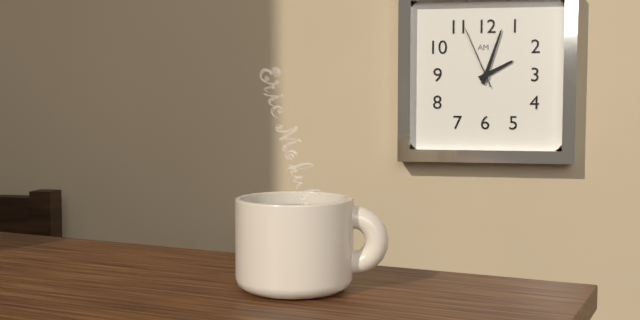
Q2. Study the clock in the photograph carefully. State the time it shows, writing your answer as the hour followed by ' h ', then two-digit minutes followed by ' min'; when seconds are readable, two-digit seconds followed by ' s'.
2 h 03 min 56 s
